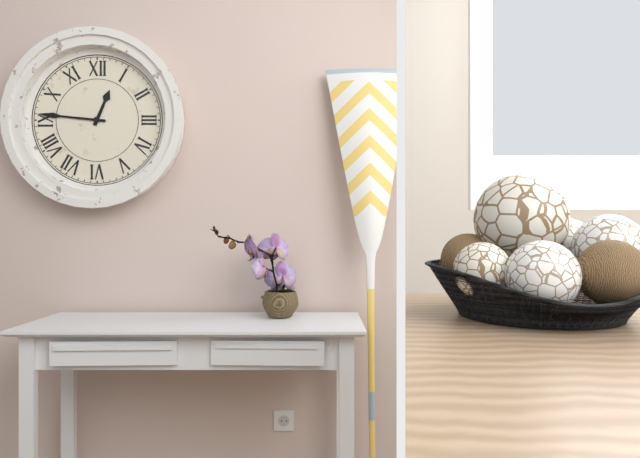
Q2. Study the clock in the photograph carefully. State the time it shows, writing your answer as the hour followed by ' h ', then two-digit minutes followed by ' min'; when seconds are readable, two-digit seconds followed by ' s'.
12 h 46 min
